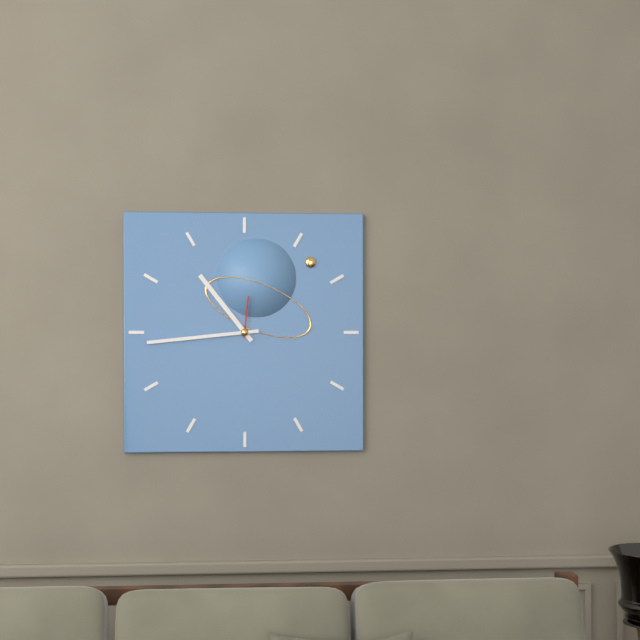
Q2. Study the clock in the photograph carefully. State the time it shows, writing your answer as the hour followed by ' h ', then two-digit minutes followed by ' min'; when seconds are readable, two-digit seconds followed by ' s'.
10 h 44 min
